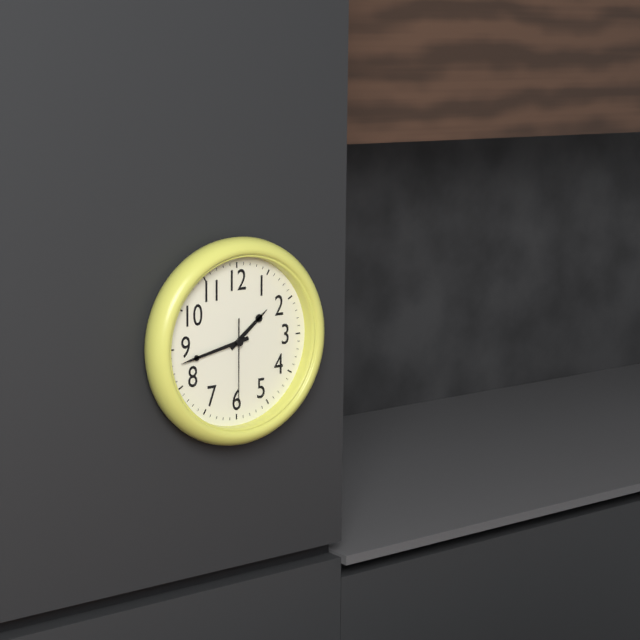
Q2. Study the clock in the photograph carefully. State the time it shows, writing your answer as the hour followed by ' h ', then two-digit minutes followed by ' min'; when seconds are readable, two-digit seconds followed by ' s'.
1 h 43 min 30 s
